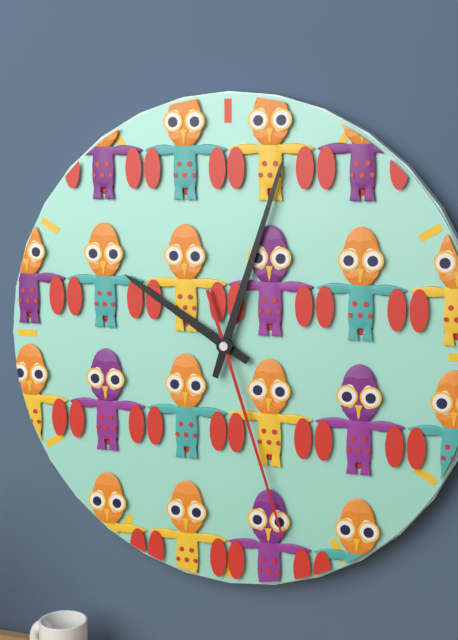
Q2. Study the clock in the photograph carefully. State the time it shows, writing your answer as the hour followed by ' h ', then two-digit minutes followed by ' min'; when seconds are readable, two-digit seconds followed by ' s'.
10 h 03 min 27 s
